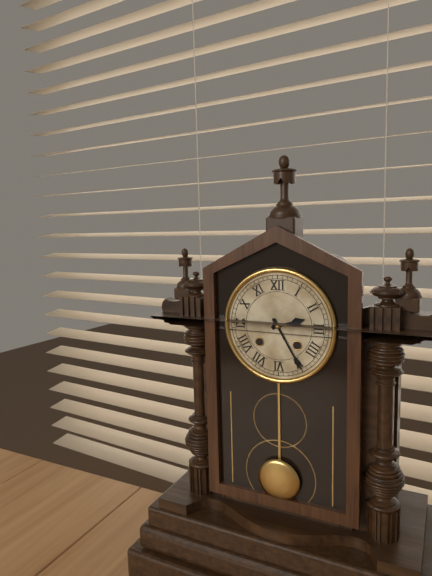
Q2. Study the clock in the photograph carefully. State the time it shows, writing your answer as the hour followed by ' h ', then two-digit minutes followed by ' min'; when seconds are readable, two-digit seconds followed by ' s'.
2 h 25 min
